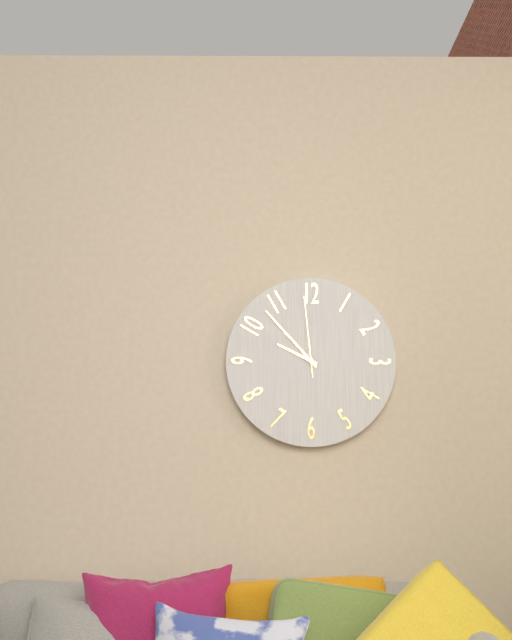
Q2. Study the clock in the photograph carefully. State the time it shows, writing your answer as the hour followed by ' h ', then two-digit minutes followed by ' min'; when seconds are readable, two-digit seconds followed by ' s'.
9 h 53 min 59 s
